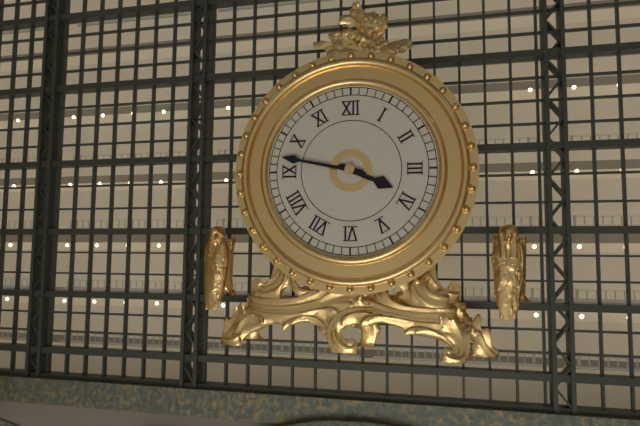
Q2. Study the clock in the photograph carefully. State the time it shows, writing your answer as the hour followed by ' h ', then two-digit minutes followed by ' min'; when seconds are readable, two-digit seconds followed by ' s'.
3 h 47 min
